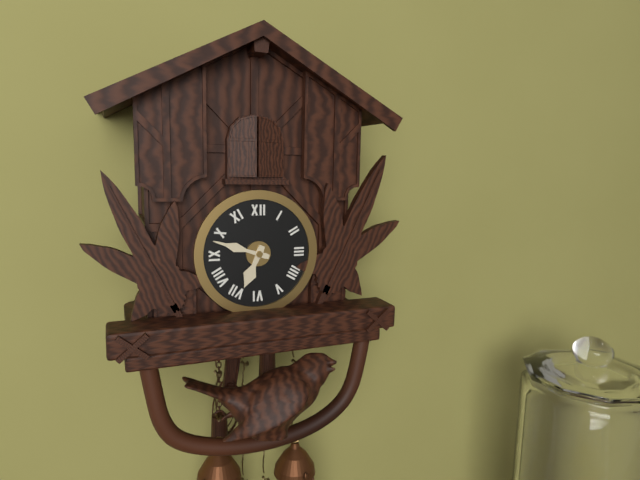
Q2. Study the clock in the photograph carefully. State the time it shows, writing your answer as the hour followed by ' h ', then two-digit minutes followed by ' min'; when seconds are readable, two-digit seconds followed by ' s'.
6 h 48 min
